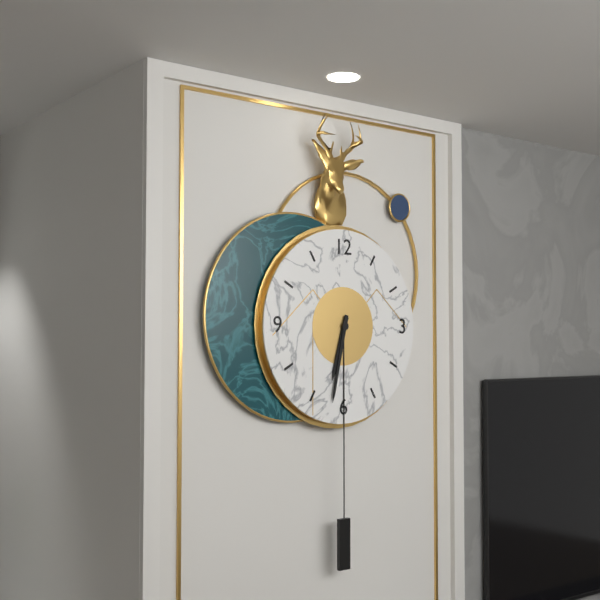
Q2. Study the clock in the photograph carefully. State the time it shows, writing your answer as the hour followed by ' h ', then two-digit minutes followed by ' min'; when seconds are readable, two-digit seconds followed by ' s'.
6 h 32 min
